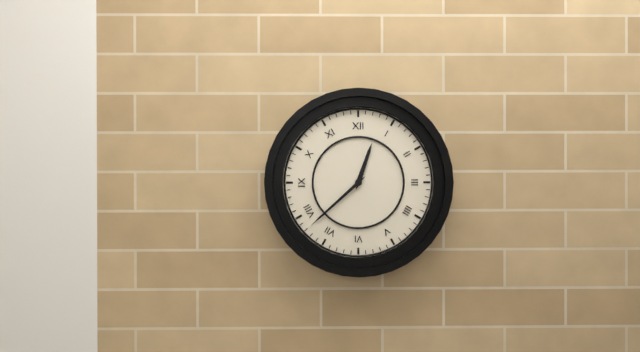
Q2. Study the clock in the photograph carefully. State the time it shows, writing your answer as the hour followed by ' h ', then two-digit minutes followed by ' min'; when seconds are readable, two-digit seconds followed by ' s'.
12 h 38 min
